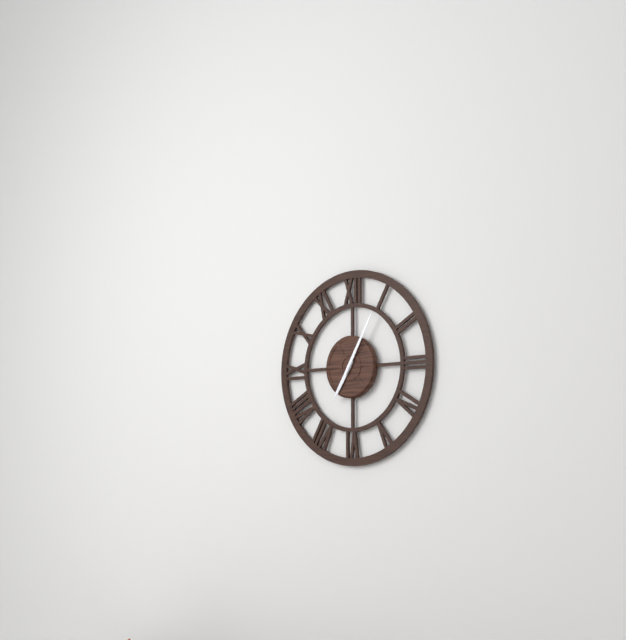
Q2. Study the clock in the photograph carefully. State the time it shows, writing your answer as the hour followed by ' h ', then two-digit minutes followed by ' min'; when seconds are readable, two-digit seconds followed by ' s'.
7 h 05 min
